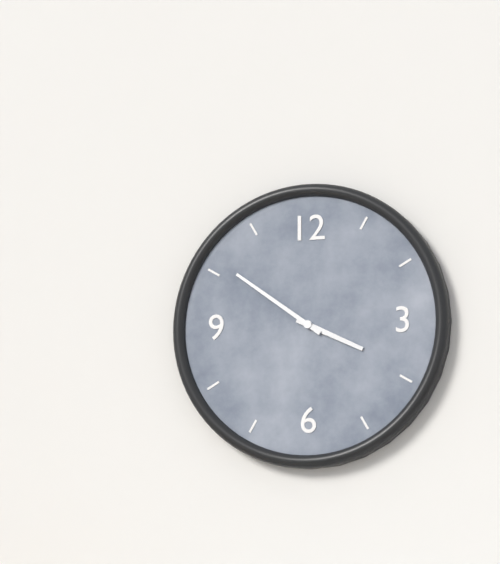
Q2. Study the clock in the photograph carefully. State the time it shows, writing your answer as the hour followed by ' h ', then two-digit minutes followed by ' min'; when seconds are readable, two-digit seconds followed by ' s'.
3 h 51 min
